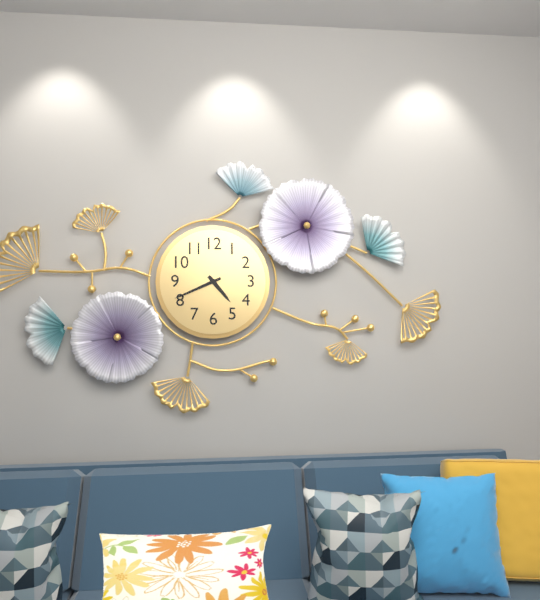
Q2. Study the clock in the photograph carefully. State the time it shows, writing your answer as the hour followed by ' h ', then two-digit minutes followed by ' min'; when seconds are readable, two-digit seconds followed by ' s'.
4 h 41 min
